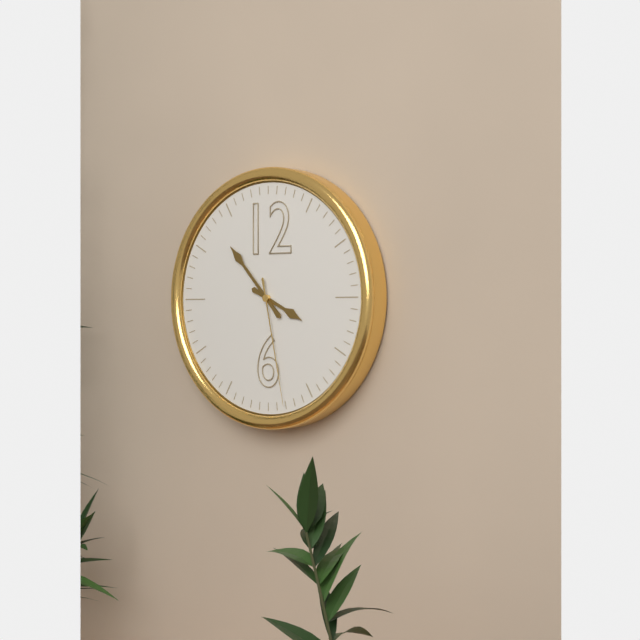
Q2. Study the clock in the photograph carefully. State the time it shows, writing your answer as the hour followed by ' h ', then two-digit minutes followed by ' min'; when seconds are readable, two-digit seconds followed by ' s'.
3 h 53 min 28 s
